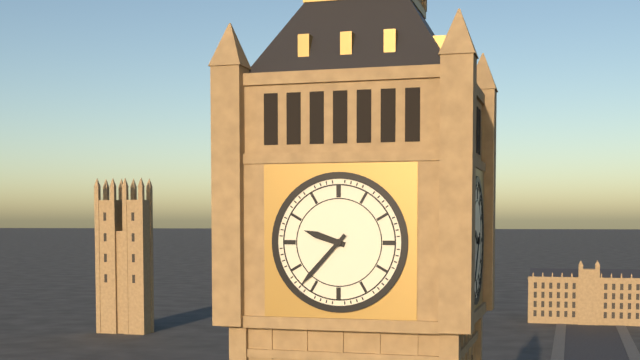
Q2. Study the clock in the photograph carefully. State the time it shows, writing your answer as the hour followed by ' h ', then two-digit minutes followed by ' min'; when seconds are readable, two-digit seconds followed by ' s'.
9 h 37 min
